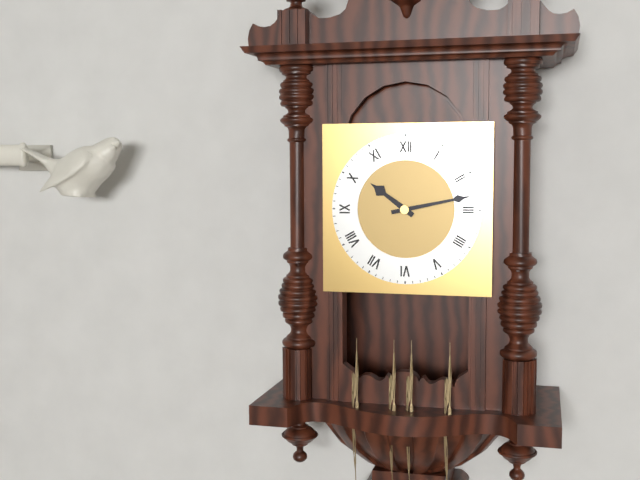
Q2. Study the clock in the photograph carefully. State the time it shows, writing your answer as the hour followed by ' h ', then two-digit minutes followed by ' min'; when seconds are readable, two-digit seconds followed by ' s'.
10 h 13 min
